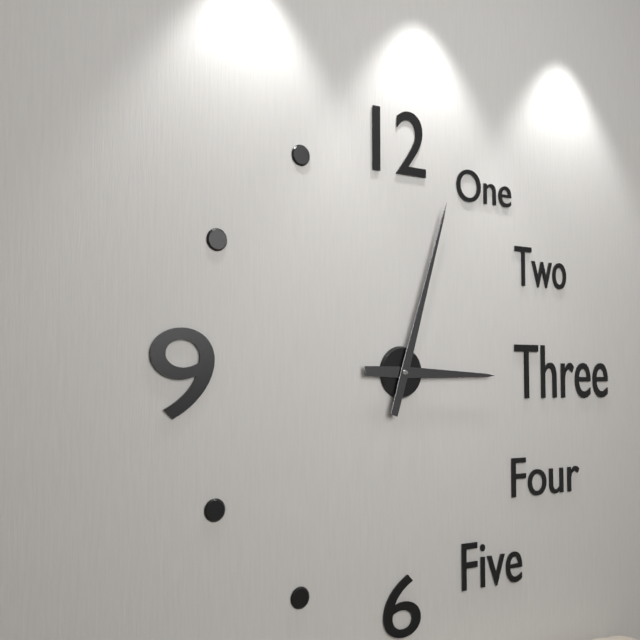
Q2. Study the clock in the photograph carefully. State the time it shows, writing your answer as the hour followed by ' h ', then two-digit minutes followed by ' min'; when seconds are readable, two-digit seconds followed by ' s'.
3 h 03 min
